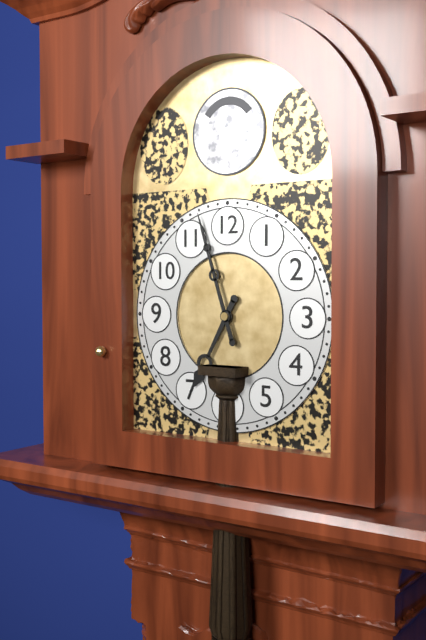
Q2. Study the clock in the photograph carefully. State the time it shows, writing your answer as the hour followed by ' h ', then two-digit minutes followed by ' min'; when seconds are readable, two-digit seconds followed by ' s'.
6 h 57 min
